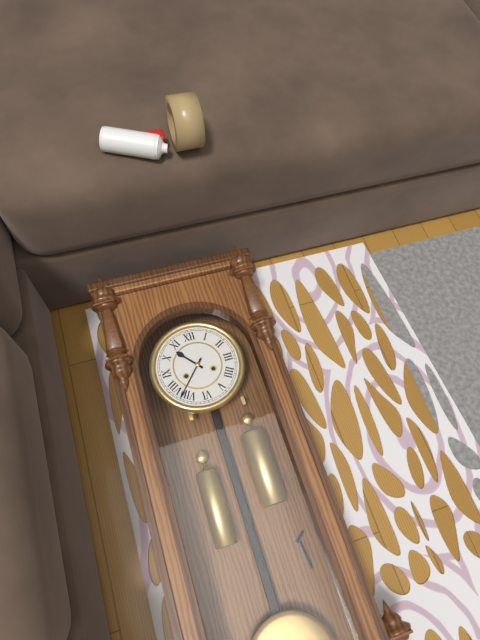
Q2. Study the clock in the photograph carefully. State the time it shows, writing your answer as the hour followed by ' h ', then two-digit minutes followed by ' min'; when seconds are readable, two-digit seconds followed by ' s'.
10 h 37 min
